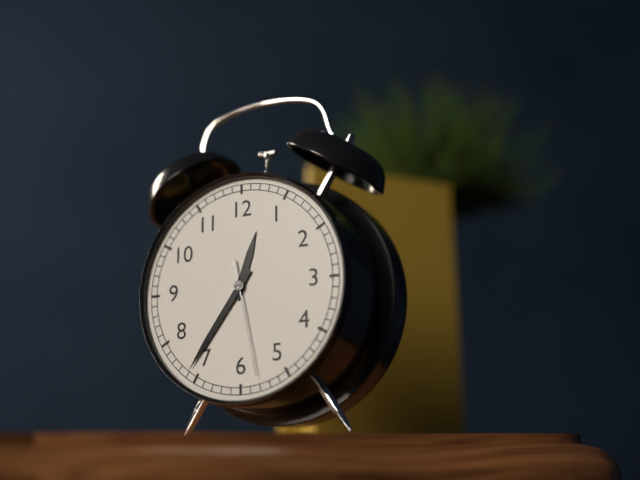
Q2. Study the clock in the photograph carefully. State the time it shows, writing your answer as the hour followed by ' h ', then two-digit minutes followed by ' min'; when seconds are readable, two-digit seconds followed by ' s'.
12 h 36 min 28 s
